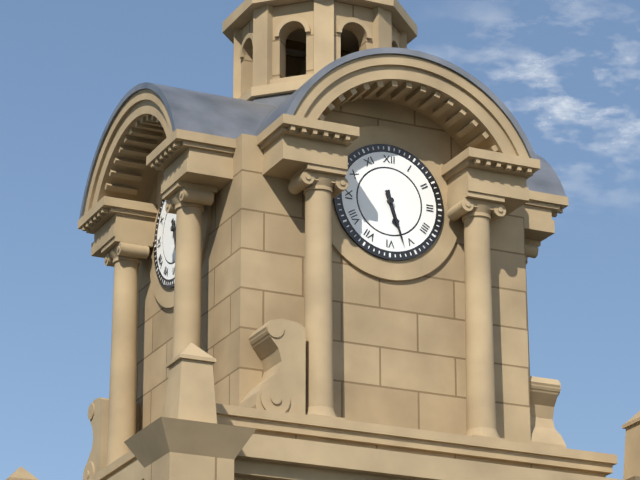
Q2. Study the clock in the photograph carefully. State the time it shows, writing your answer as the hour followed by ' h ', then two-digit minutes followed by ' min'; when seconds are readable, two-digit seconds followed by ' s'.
5 h 27 min
